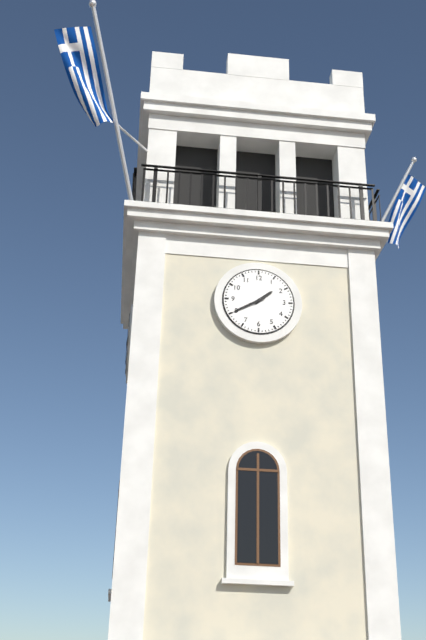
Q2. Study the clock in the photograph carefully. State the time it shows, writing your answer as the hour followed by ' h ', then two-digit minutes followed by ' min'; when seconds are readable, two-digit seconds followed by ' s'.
1 h 40 min
